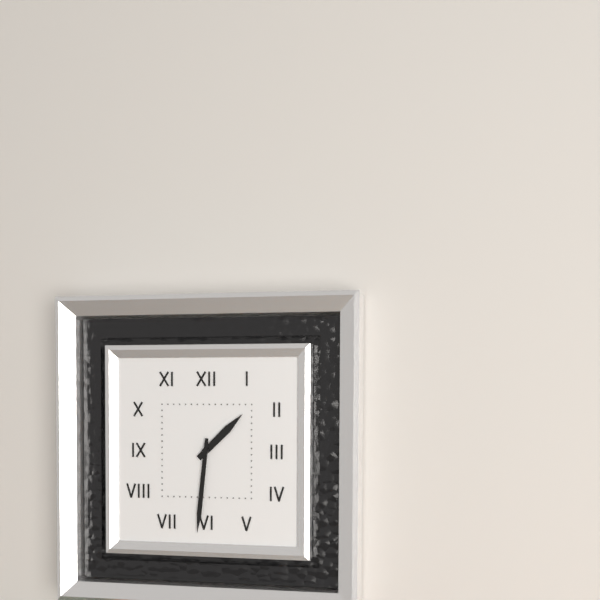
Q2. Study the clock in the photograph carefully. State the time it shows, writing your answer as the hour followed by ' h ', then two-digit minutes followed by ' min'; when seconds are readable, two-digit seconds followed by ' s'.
1 h 31 min
